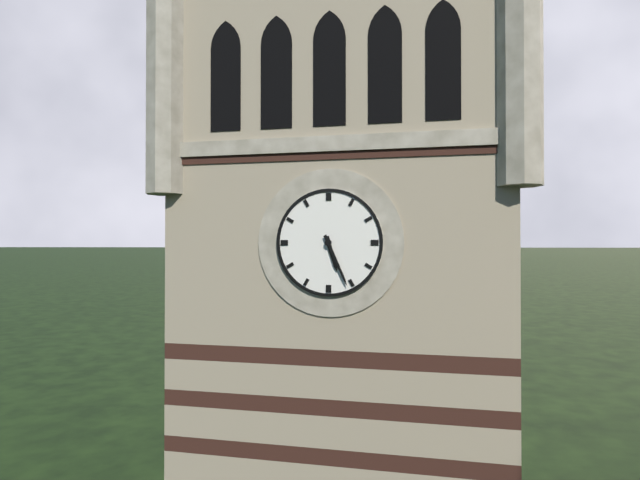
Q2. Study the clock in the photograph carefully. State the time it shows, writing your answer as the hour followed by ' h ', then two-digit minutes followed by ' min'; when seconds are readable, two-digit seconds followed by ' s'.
5 h 26 min
